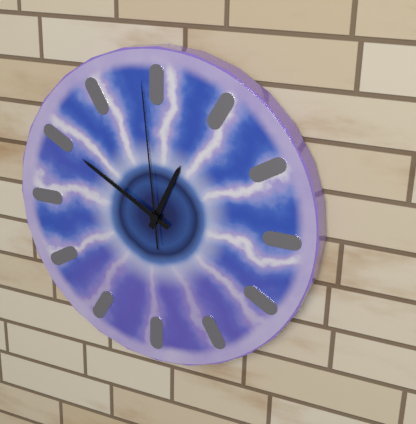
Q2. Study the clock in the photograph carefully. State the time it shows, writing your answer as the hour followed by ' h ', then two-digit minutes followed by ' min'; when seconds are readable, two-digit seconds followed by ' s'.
12 h 50 min 59 s
